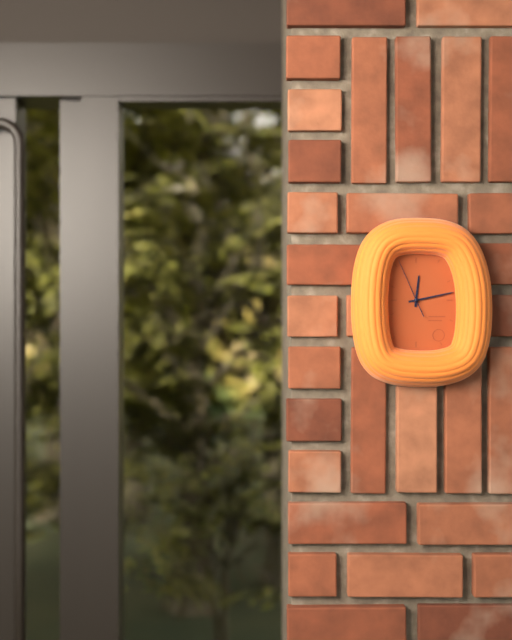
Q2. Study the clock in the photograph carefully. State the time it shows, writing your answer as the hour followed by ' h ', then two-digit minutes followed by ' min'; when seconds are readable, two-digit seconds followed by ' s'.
12 h 13 min 56 s
